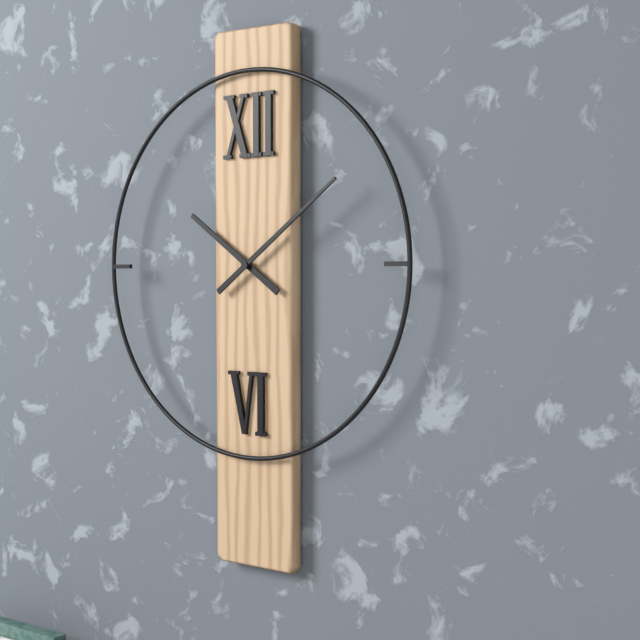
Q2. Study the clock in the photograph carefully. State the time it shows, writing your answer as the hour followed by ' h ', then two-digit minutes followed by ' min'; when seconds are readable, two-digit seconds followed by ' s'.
10 h 09 min
